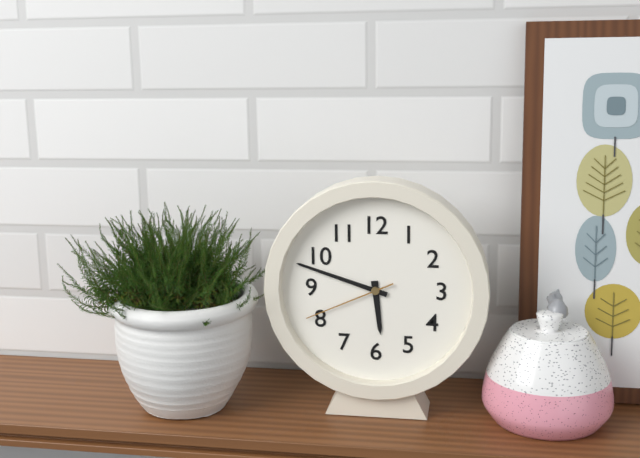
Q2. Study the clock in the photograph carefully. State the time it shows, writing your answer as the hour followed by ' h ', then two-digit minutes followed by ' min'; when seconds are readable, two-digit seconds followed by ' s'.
5 h 48 min 41 s
